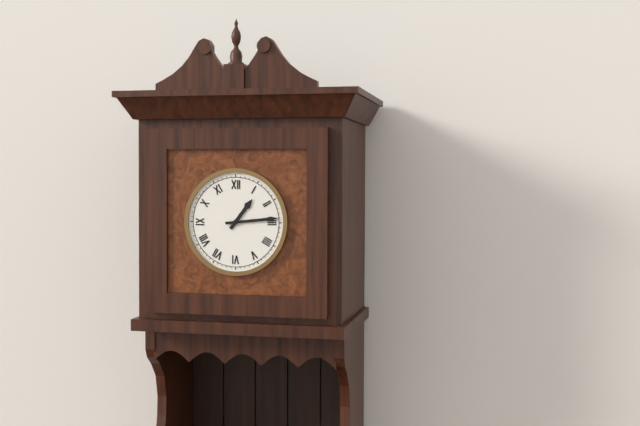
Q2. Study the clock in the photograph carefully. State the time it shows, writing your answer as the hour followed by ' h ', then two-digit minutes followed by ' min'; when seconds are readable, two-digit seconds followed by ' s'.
1 h 14 min
